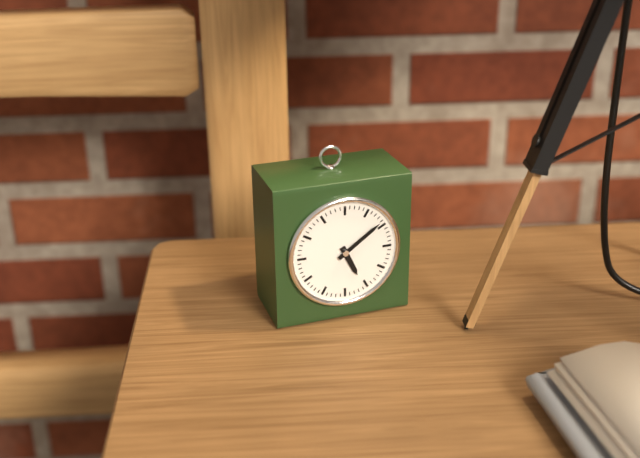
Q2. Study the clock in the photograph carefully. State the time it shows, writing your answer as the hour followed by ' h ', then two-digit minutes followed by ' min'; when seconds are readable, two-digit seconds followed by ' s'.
5 h 09 min
